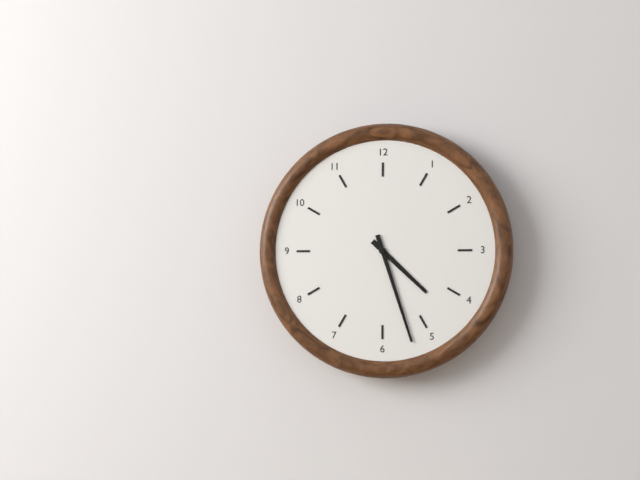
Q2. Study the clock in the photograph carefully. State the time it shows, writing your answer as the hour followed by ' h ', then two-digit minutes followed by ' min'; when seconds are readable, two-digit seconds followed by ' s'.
4 h 27 min
